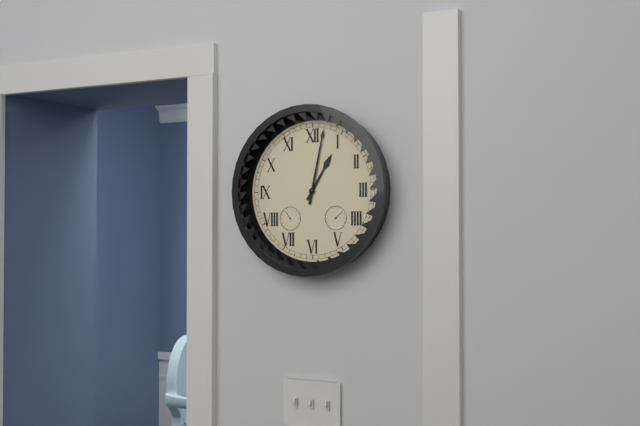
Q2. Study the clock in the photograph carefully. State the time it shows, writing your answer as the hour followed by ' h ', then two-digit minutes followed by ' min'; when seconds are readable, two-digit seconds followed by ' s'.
1 h 02 min
